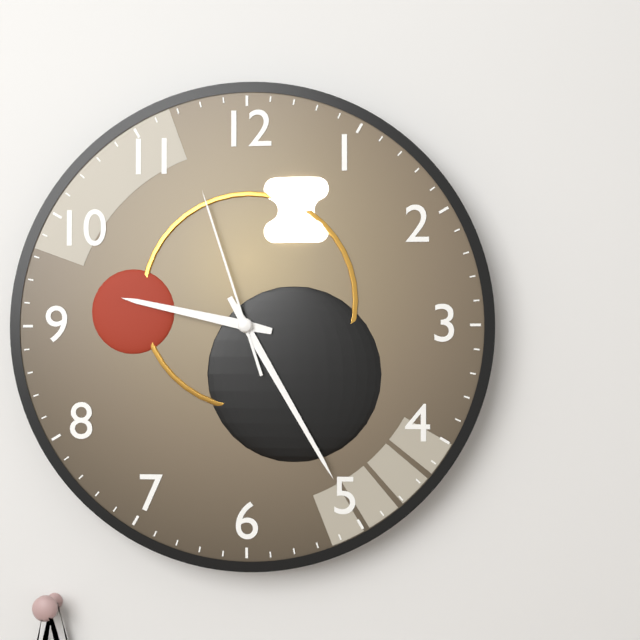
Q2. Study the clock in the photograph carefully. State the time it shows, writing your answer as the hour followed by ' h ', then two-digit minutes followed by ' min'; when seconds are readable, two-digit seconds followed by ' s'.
9 h 25 min 57 s
